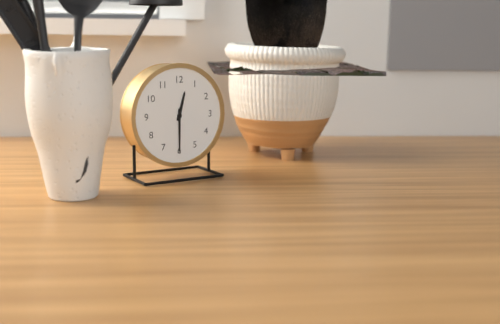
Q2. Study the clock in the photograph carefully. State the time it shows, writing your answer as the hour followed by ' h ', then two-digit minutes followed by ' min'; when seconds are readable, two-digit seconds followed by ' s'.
12 h 30 min
